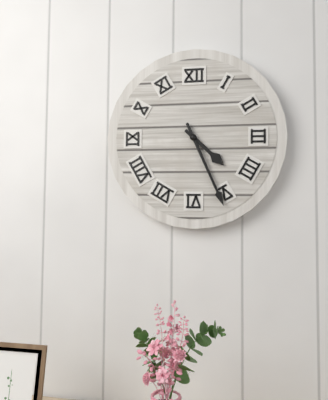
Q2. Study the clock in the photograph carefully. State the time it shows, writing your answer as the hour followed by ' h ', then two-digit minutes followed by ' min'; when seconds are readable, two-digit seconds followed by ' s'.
4 h 26 min
